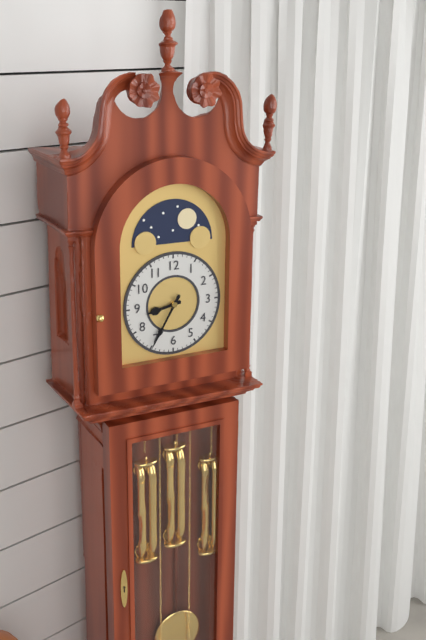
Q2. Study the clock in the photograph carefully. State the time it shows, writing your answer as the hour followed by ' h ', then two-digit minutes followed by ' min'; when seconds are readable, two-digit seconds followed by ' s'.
8 h 35 min
